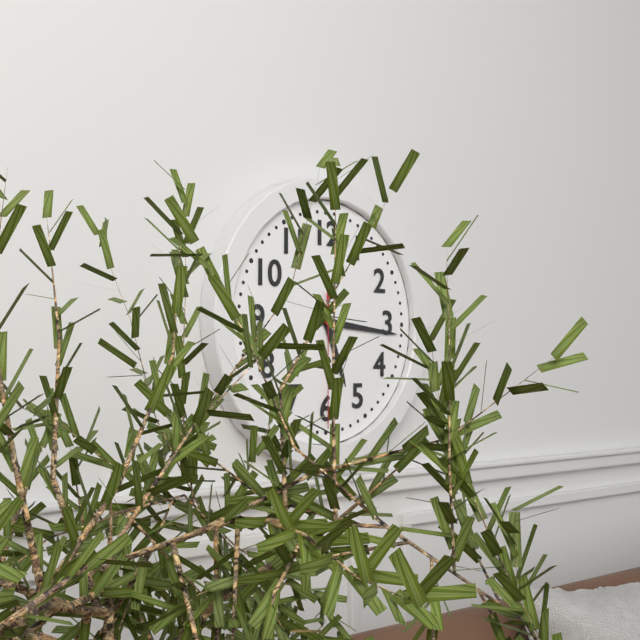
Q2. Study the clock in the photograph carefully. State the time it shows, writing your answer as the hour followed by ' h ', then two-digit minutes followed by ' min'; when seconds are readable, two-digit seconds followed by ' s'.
5 h 16 min 30 s
